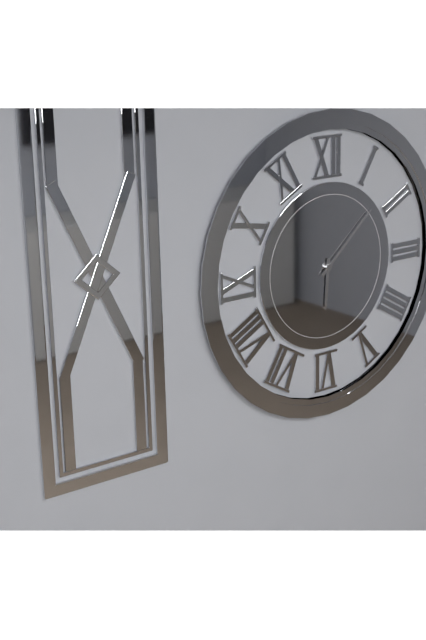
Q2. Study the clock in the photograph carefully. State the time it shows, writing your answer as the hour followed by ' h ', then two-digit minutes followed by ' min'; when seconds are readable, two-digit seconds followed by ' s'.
6 h 08 min
